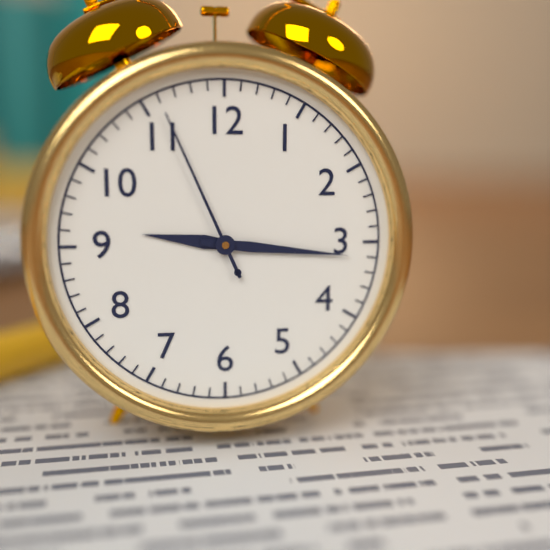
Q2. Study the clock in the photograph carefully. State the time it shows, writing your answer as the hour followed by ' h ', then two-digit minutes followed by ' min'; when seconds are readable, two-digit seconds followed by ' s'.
9 h 16 min 56 s
